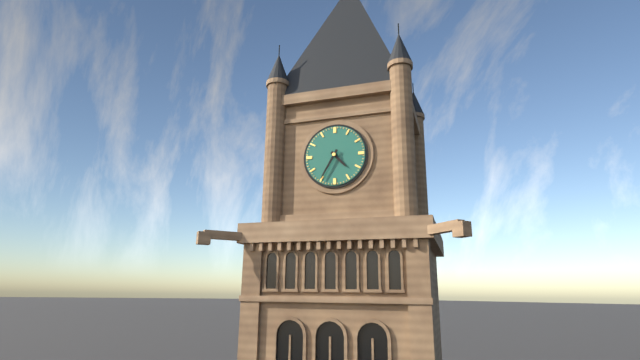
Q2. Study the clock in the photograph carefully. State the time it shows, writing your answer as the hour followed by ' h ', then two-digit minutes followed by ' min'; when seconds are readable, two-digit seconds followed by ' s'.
4 h 35 min
